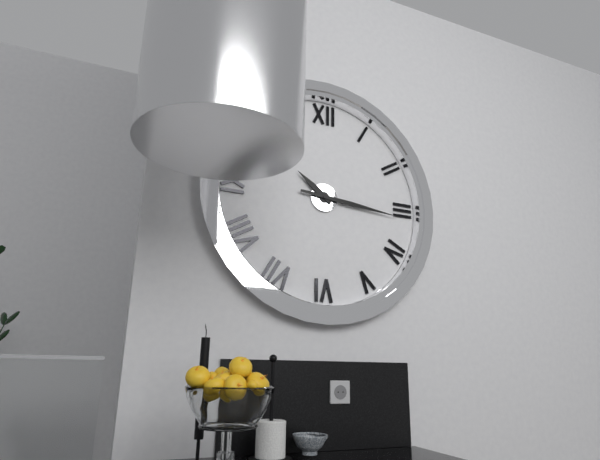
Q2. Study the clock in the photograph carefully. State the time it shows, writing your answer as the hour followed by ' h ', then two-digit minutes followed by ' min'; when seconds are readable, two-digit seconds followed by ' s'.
10 h 16 min
